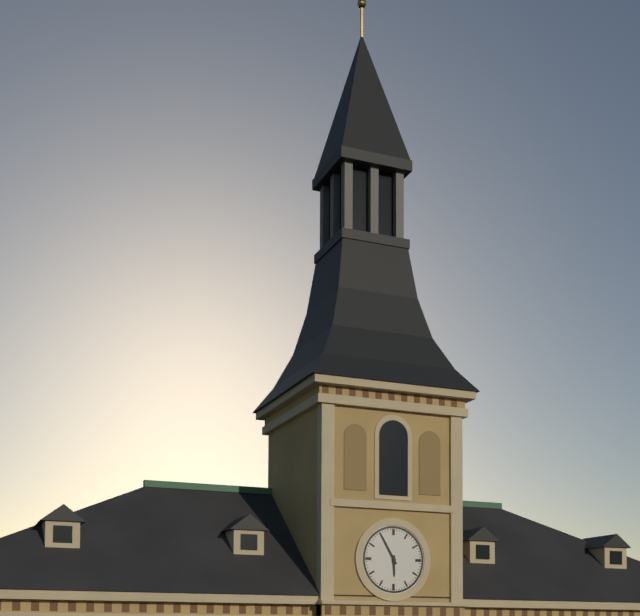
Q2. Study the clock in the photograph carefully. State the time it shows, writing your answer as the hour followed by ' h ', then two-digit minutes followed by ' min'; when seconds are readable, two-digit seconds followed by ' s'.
5 h 55 min
